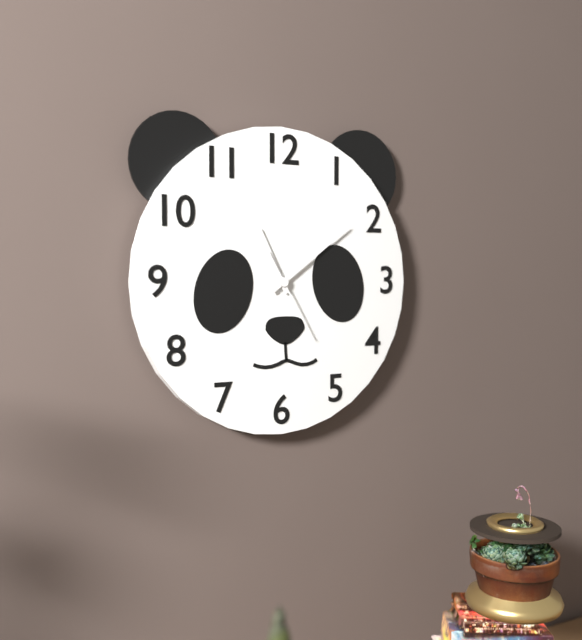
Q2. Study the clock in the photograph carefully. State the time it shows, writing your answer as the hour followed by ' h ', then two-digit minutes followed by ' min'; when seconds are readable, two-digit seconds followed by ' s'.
11 h 09 min 25 s
